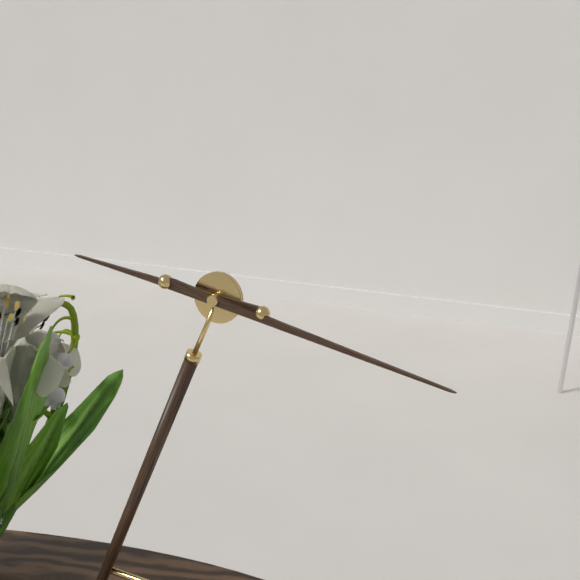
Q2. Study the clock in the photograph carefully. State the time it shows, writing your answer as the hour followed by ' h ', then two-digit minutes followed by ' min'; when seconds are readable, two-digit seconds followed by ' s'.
9 h 17 min
